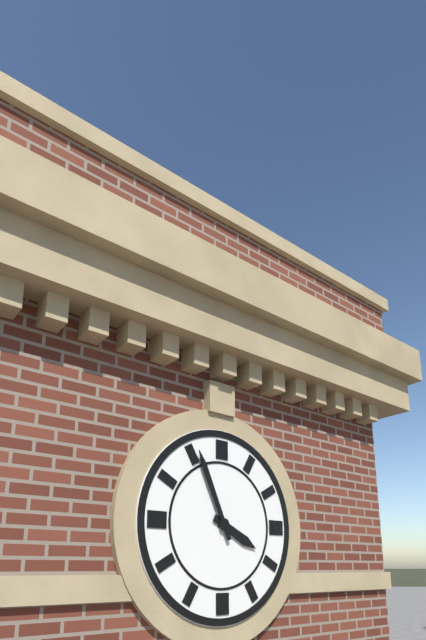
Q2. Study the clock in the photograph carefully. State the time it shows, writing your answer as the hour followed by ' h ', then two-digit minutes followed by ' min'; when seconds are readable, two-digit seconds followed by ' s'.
3 h 56 min
